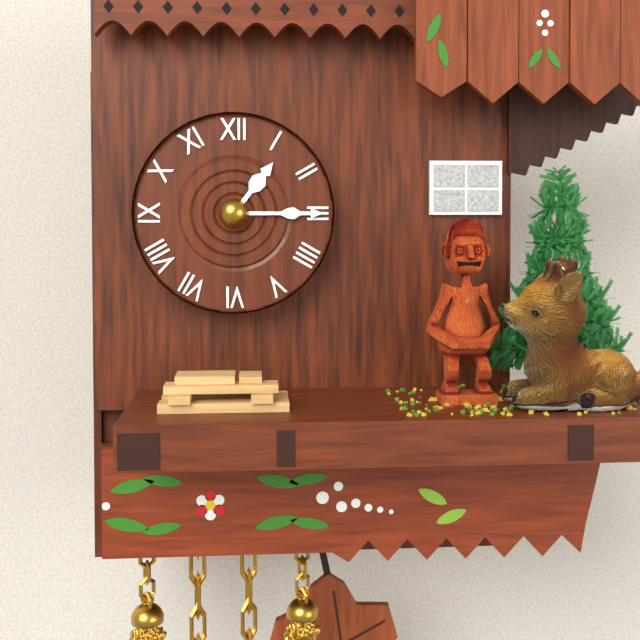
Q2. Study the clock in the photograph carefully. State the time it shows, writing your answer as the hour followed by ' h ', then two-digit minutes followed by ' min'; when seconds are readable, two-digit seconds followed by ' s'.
1 h 15 min
